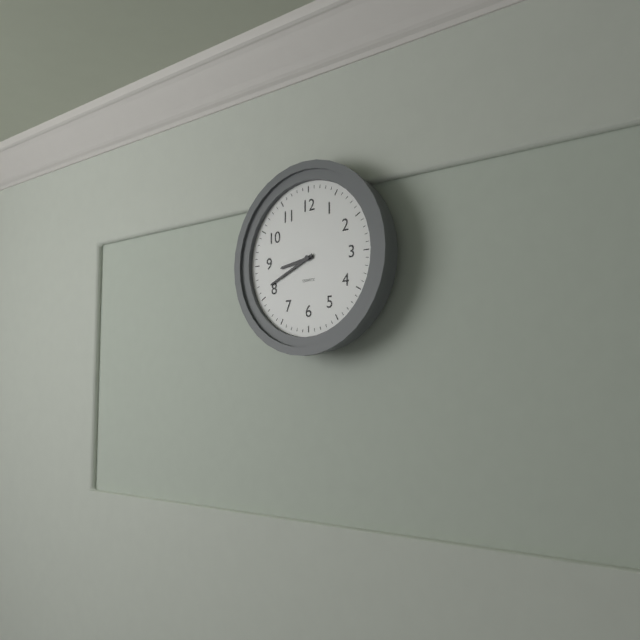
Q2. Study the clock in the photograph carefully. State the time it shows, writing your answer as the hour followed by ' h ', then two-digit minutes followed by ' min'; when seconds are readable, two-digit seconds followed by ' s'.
8 h 41 min
